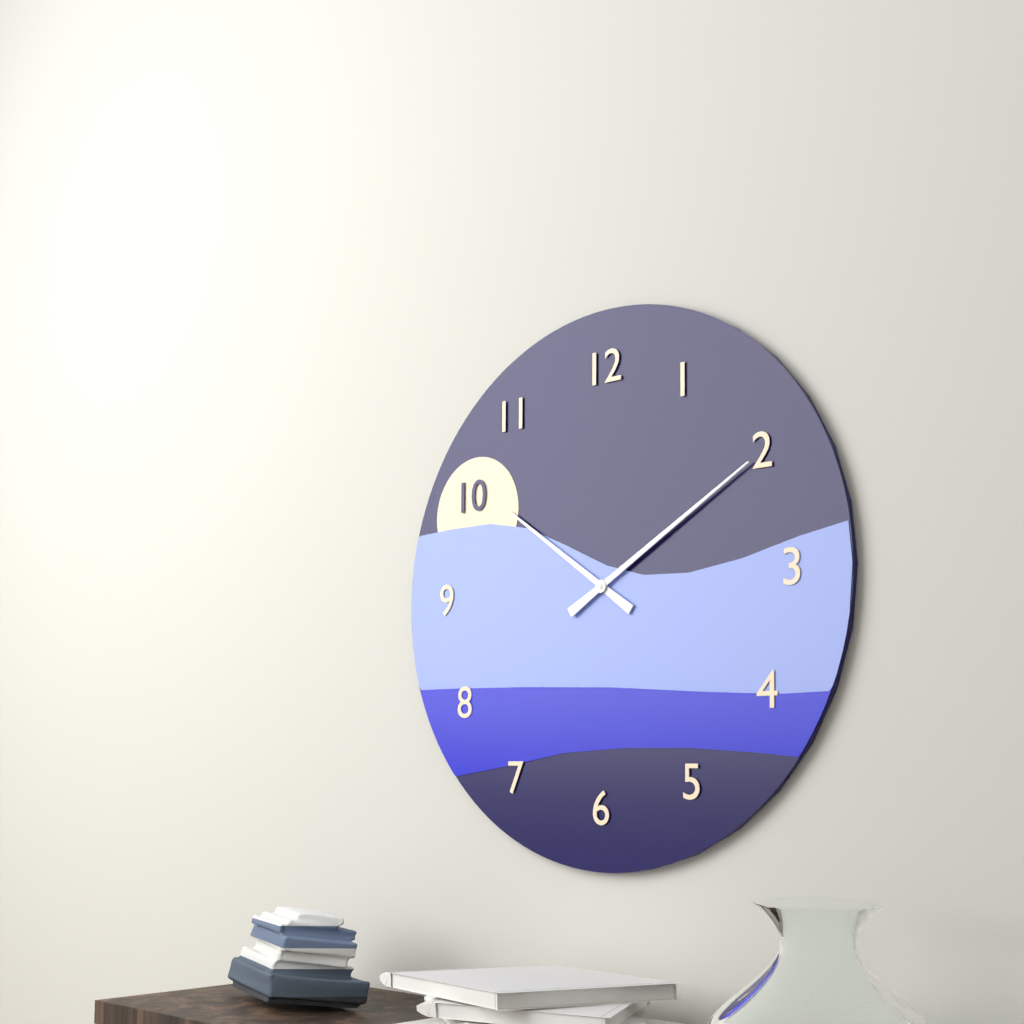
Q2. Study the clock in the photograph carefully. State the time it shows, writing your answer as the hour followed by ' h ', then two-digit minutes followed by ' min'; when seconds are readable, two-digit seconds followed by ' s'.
10 h 10 min
